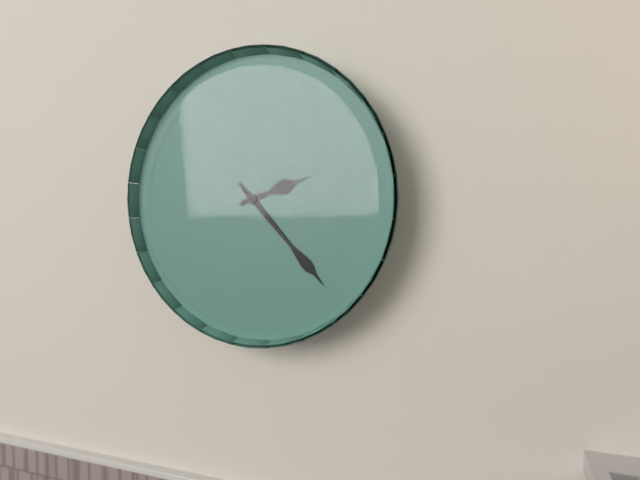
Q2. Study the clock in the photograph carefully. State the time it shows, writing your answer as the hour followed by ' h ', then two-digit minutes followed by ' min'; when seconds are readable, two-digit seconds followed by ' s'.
2 h 23 min
